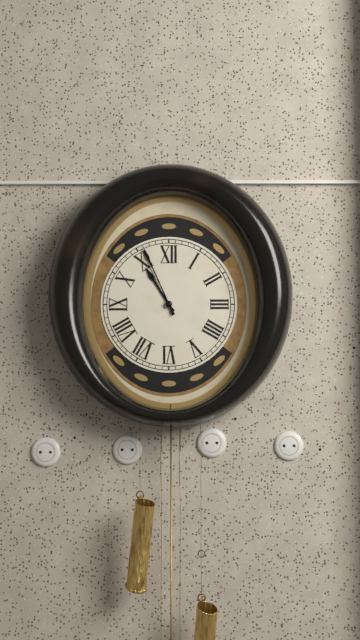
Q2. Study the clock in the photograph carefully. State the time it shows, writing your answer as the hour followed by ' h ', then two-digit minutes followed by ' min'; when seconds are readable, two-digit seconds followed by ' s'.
10 h 56 min
